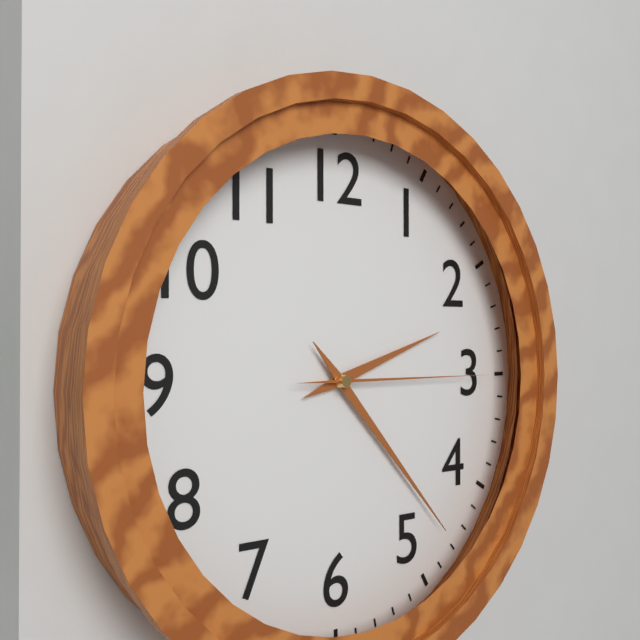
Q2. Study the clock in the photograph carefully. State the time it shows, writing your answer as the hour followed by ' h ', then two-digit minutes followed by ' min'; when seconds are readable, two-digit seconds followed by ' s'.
2 h 23 min 15 s
